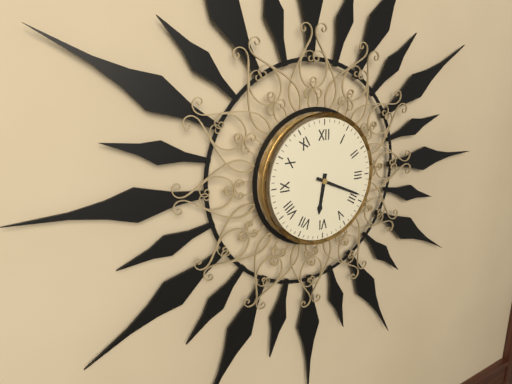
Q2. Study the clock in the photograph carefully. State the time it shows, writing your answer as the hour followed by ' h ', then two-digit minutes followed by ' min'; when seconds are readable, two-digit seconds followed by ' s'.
6 h 19 min
